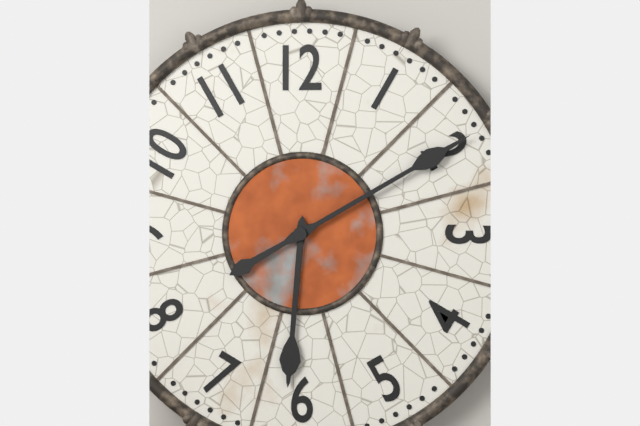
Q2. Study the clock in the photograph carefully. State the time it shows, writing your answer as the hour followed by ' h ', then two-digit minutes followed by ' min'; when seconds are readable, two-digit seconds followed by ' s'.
6 h 10 min
